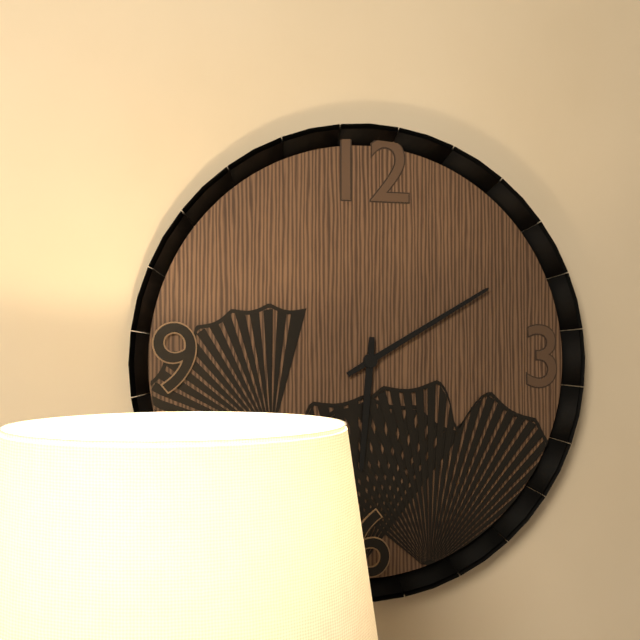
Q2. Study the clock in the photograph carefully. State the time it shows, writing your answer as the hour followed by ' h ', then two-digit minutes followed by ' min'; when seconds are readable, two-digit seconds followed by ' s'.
6 h 10 min
